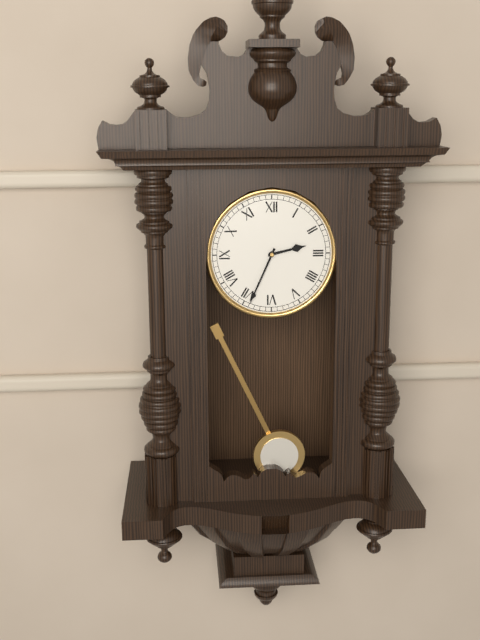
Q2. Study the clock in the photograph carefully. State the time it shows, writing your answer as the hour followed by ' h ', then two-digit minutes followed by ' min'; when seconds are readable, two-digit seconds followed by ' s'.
2 h 34 min
